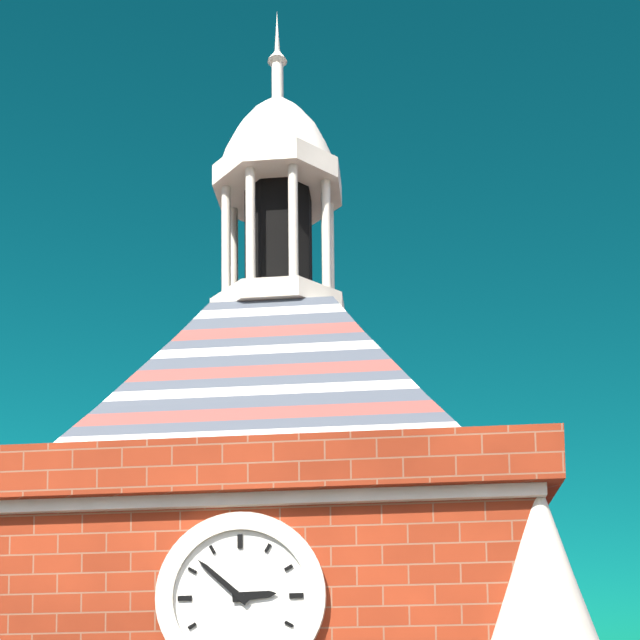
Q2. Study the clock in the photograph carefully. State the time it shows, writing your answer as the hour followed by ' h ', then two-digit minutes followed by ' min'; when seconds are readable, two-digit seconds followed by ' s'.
2 h 52 min
